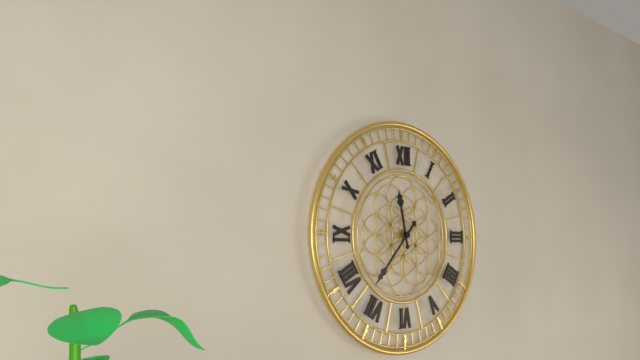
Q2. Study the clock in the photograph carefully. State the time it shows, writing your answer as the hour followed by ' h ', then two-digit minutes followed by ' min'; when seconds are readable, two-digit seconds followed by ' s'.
11 h 37 min
